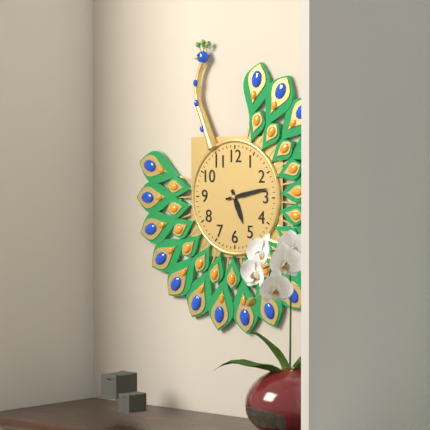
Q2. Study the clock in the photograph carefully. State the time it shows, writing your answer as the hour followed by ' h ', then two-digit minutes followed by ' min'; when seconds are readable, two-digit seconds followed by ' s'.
5 h 13 min
